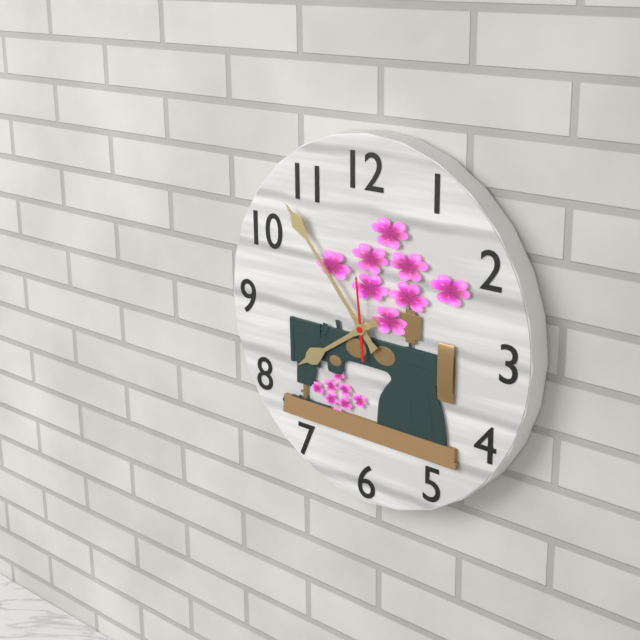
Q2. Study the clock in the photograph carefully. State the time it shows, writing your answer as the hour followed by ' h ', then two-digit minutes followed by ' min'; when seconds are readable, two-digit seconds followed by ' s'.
7 h 53 min 59 s
